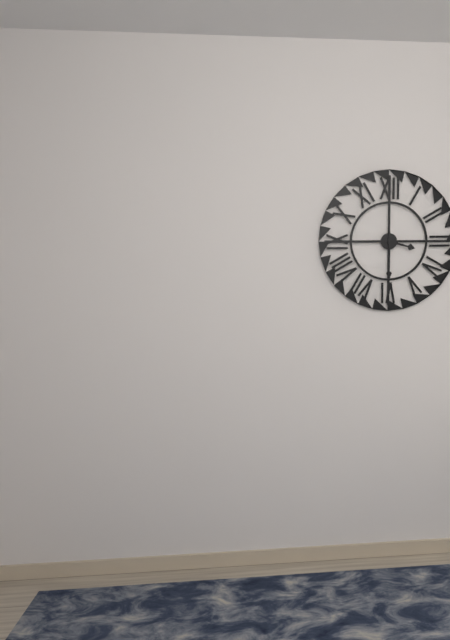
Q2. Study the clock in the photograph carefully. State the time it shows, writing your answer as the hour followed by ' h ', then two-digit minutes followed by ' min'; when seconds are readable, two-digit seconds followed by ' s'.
3 h 30 min
